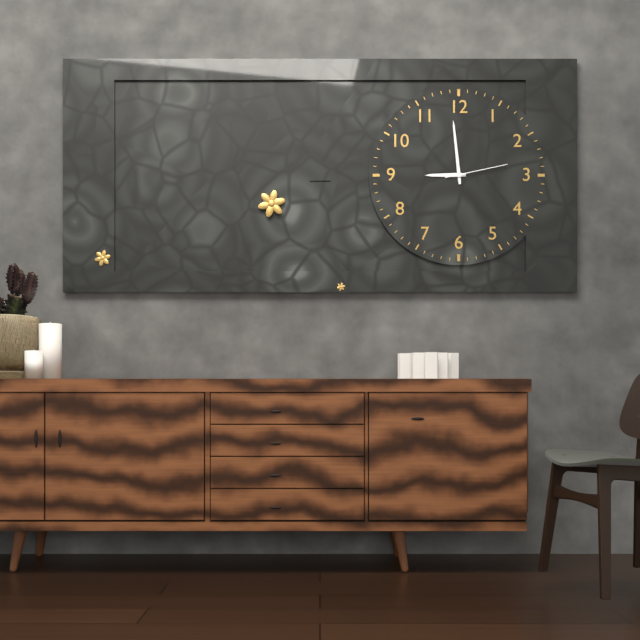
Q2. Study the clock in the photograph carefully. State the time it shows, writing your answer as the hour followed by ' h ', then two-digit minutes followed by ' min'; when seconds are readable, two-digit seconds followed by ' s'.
8 h 59 min 13 s
